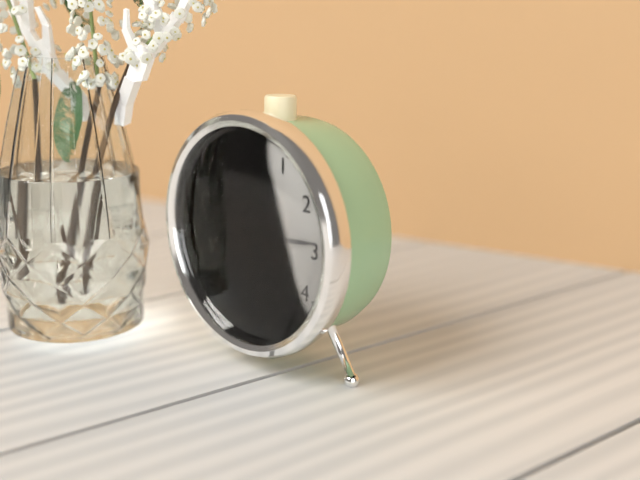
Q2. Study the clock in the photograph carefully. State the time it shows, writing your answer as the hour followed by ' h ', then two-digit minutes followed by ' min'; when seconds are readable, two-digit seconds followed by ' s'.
6 h 14 min
